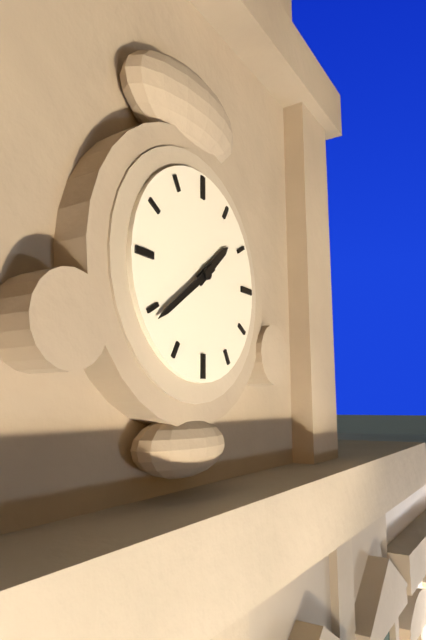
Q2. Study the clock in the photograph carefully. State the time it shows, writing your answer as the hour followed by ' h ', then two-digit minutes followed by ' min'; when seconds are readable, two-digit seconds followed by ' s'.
1 h 39 min
